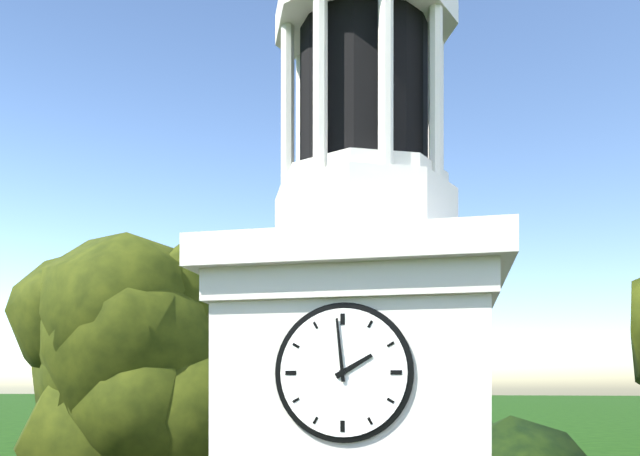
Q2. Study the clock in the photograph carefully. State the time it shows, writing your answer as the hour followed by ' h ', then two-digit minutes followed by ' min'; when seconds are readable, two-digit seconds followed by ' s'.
1 h 59 min
